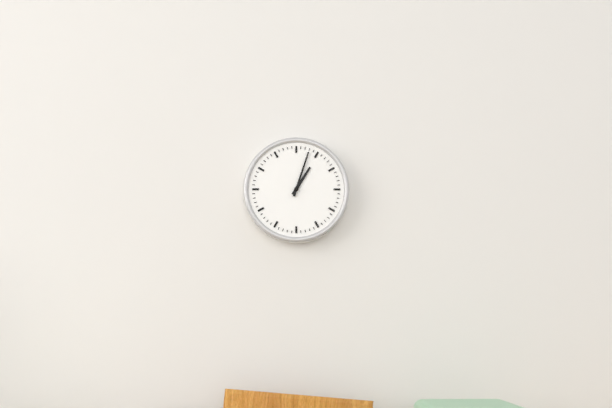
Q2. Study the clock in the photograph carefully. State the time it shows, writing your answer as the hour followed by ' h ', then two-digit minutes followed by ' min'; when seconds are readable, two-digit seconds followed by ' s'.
1 h 03 min
